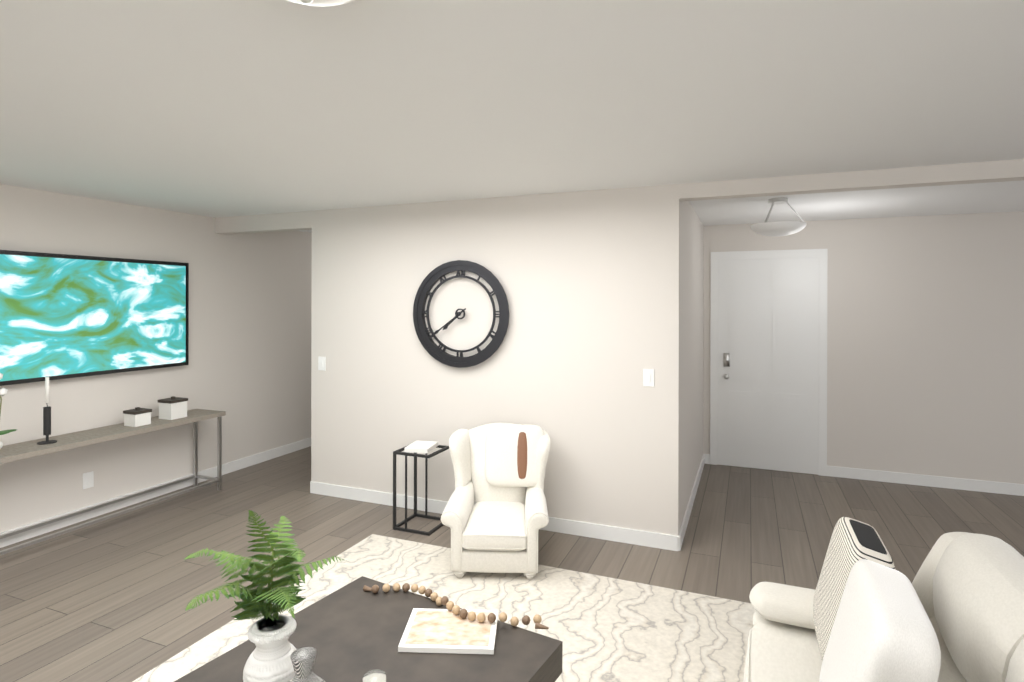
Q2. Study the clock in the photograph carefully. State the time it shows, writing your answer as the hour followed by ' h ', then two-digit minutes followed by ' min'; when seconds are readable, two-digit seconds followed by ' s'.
7 h 39 min
